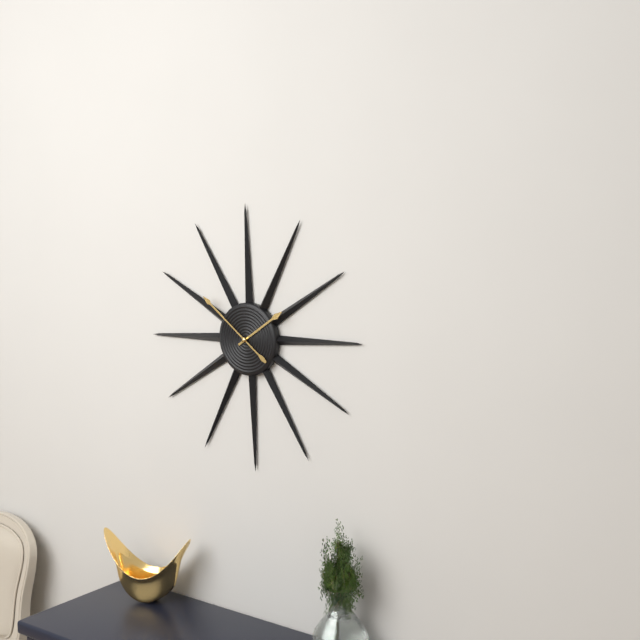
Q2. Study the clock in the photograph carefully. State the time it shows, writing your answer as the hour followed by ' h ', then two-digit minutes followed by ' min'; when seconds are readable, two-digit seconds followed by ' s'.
1 h 51 min
